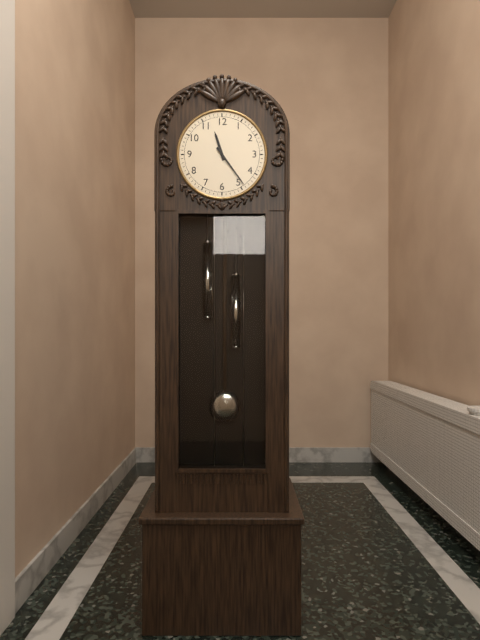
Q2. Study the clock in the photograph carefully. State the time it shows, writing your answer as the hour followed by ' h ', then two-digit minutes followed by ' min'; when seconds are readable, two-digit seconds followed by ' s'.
11 h 24 min
